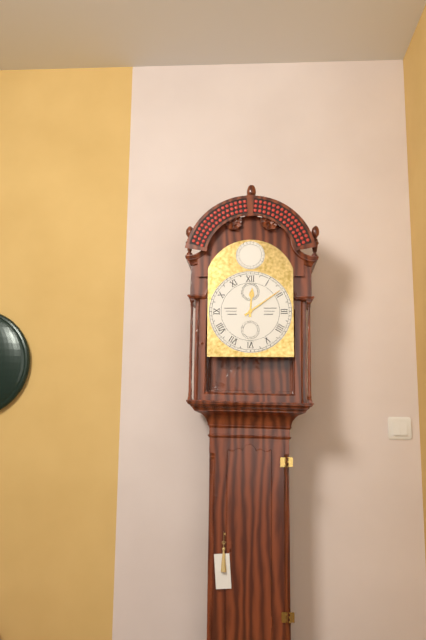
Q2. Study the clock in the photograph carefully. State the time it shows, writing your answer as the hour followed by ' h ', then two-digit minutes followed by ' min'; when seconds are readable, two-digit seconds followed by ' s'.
12 h 09 min
